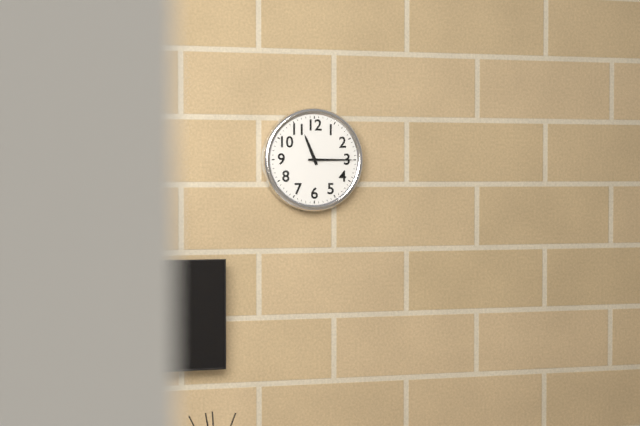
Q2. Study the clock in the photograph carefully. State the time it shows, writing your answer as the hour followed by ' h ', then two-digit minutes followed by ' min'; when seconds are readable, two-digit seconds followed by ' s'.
11 h 15 min
